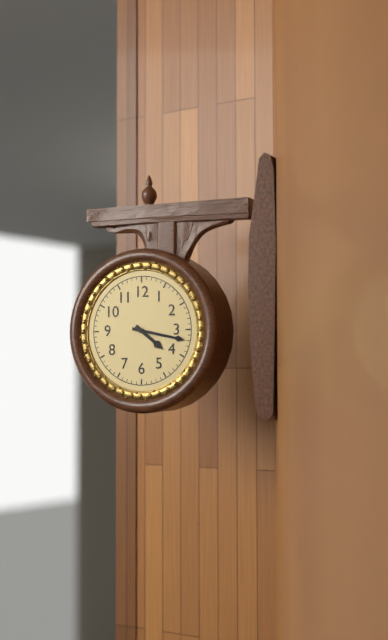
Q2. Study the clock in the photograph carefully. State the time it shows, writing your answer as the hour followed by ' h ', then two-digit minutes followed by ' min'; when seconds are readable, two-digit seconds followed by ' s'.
4 h 17 min
